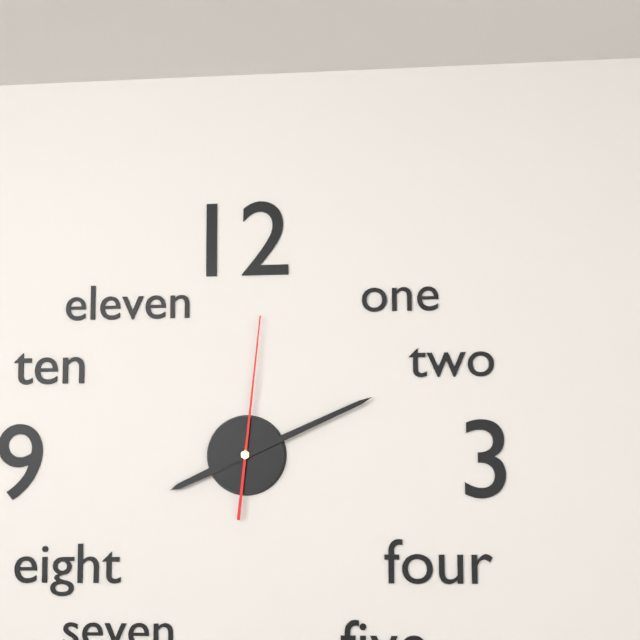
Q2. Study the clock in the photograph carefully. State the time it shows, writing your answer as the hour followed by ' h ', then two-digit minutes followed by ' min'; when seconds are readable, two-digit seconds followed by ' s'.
8 h 11 min 01 s
